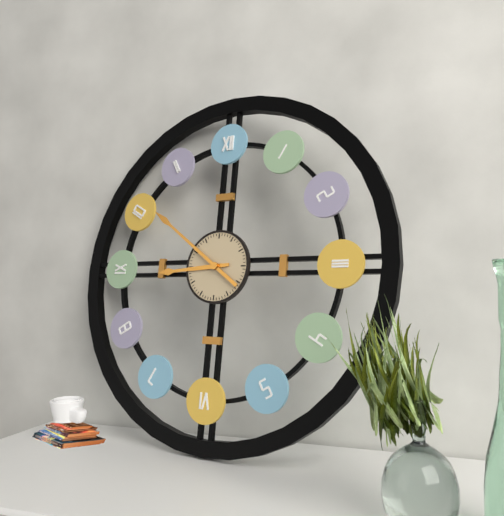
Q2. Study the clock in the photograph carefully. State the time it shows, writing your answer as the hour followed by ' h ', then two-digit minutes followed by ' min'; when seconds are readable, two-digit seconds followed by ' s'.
8 h 51 min
